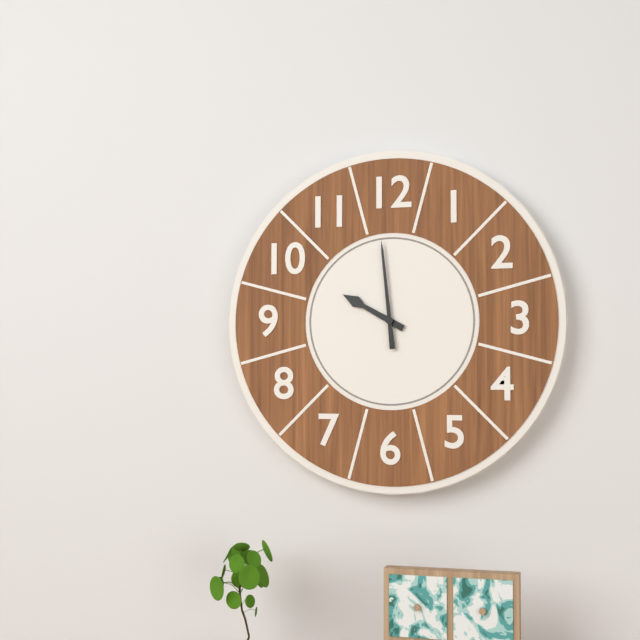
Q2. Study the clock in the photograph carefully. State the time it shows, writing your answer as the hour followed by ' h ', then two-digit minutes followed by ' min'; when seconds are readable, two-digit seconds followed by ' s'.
9 h 59 min
